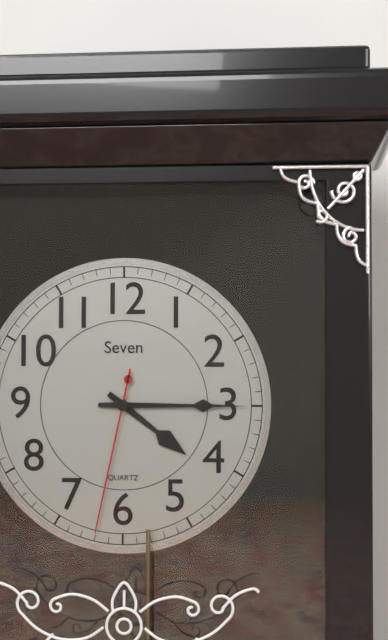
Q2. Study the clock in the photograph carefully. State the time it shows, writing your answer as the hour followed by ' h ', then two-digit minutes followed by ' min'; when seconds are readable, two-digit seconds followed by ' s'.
4 h 15 min 32 s
